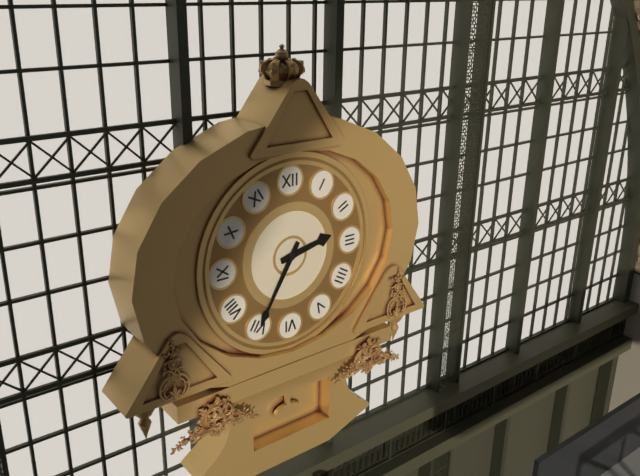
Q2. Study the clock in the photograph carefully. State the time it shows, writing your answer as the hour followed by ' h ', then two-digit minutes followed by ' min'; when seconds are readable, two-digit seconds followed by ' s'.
2 h 35 min
